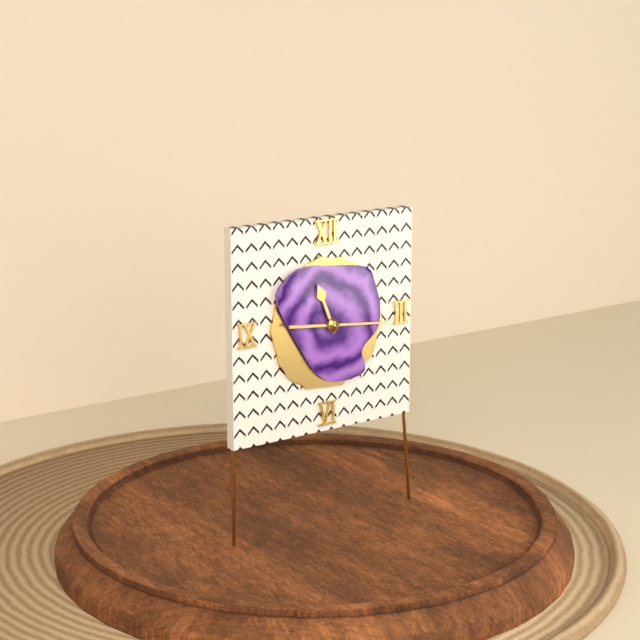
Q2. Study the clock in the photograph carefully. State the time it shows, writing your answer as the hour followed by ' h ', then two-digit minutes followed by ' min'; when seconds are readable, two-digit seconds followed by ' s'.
11 h 16 min
